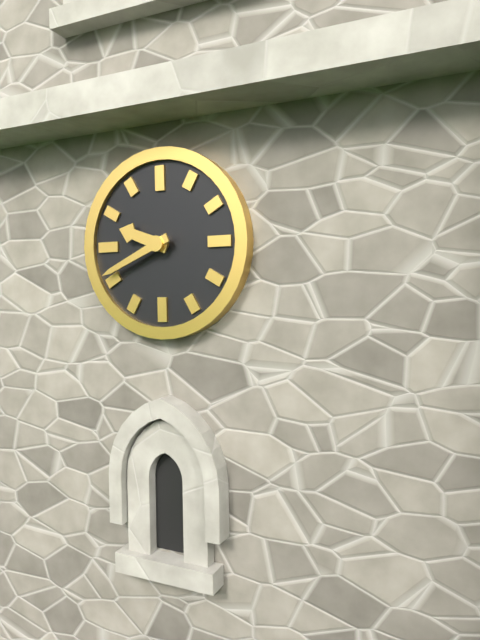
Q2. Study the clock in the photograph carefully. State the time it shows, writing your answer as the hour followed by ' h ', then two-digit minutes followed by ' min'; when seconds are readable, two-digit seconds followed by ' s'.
9 h 41 min
